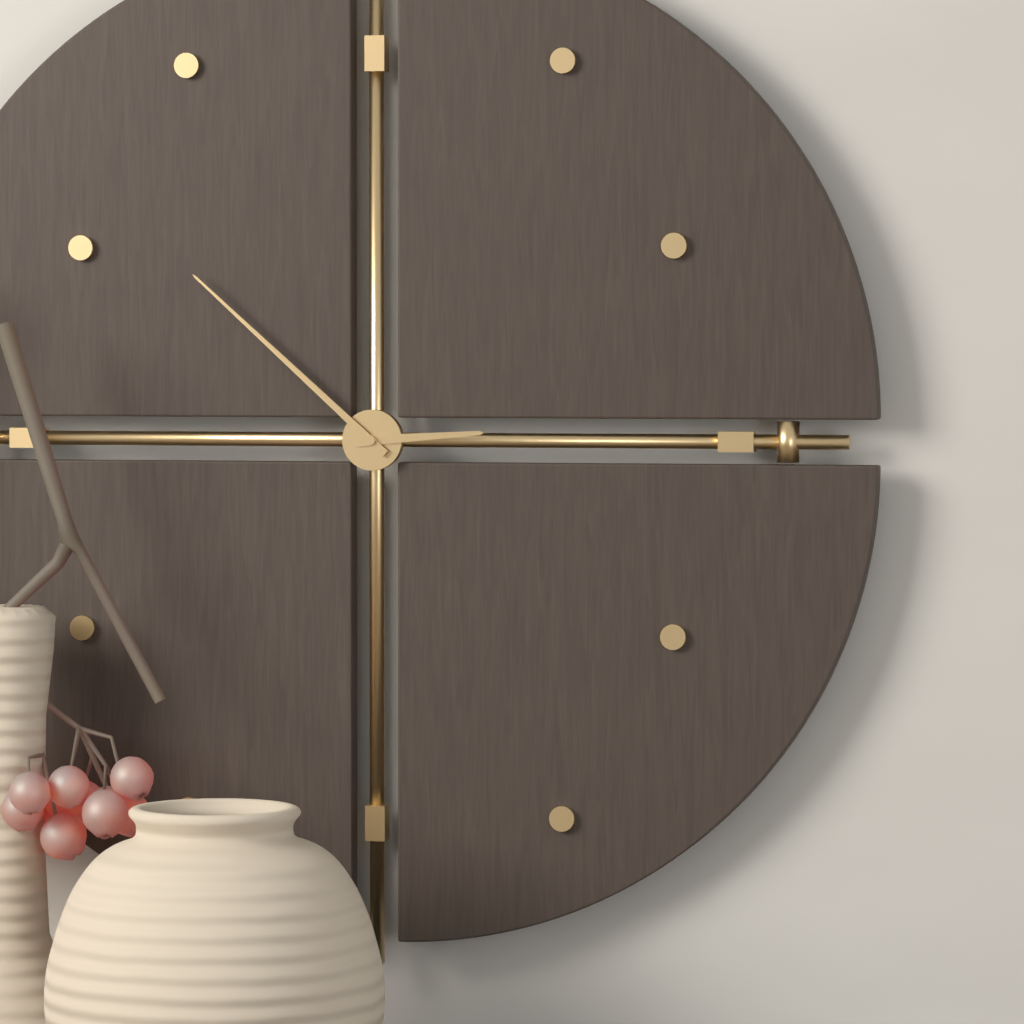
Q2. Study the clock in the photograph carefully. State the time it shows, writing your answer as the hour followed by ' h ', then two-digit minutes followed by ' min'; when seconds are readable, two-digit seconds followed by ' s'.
2 h 52 min
